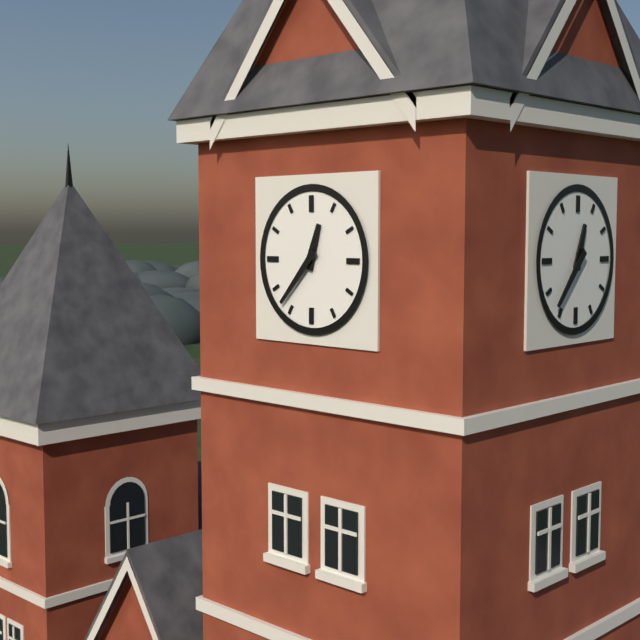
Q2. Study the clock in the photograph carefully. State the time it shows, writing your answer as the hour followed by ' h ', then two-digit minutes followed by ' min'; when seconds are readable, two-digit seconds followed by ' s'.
12 h 37 min
